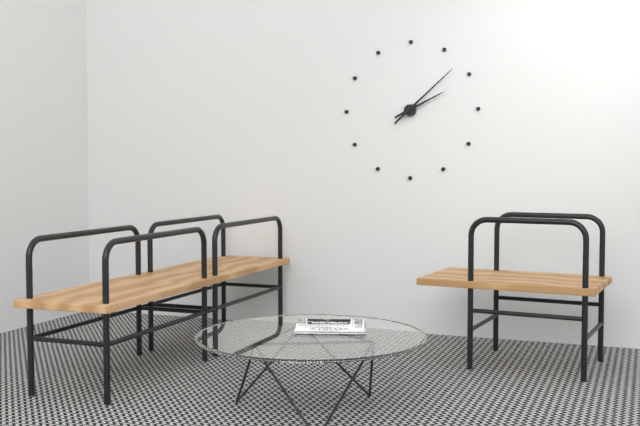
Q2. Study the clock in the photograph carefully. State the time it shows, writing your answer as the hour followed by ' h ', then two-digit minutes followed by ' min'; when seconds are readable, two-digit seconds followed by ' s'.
2 h 08 min
